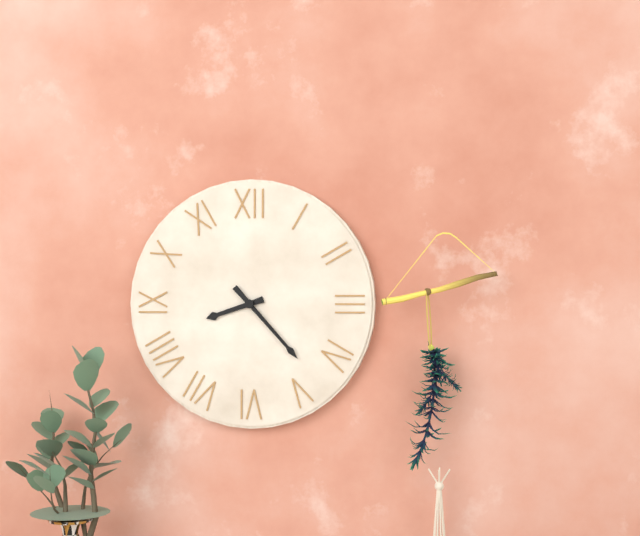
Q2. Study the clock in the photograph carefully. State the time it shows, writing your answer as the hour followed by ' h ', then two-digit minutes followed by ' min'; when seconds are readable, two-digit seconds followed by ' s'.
8 h 23 min
